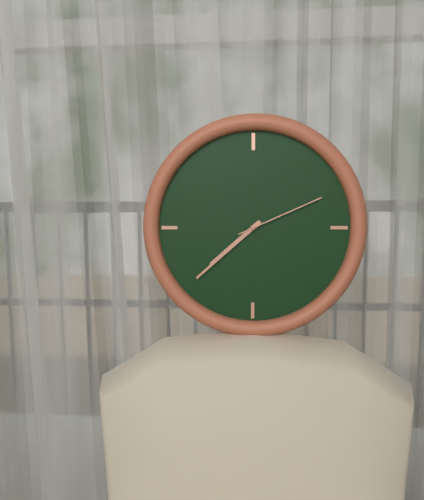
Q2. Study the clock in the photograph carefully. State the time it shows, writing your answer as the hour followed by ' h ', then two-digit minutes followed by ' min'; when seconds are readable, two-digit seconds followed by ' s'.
7 h 38 min 11 s
